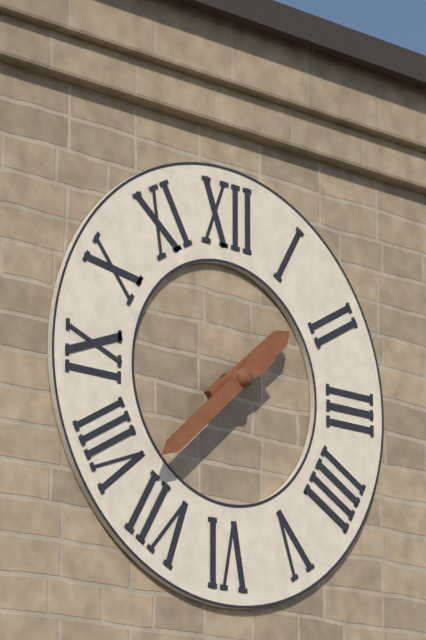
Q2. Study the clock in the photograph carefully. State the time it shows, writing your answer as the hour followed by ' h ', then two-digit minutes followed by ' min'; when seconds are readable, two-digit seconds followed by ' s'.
1 h 38 min
